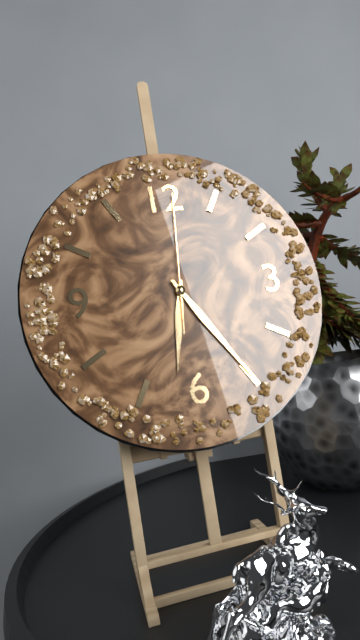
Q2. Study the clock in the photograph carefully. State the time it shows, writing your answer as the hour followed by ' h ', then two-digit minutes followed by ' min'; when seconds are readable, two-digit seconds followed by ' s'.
6 h 25 min 01 s
